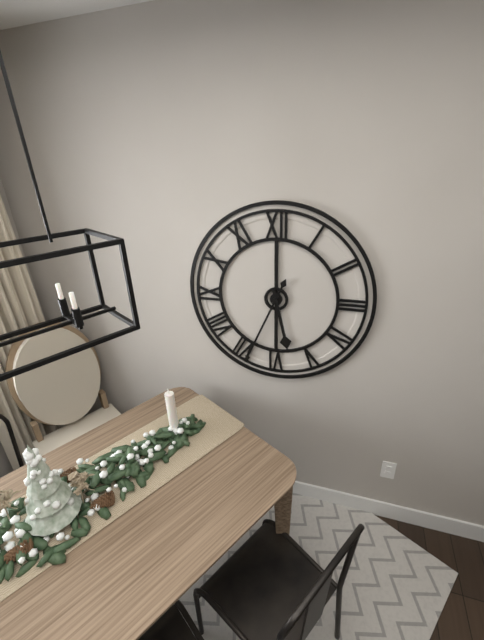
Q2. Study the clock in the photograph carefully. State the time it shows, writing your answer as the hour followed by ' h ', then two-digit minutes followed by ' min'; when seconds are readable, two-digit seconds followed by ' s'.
5 h 34 min
